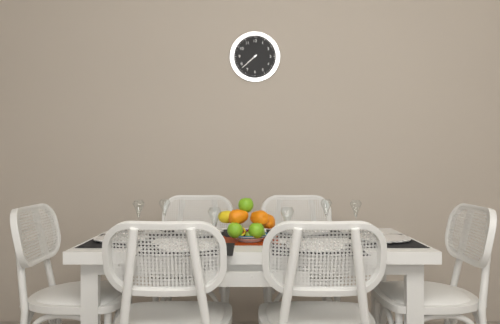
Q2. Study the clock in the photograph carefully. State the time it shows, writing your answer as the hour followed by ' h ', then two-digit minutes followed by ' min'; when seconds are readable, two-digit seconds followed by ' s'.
7 h 38 min
